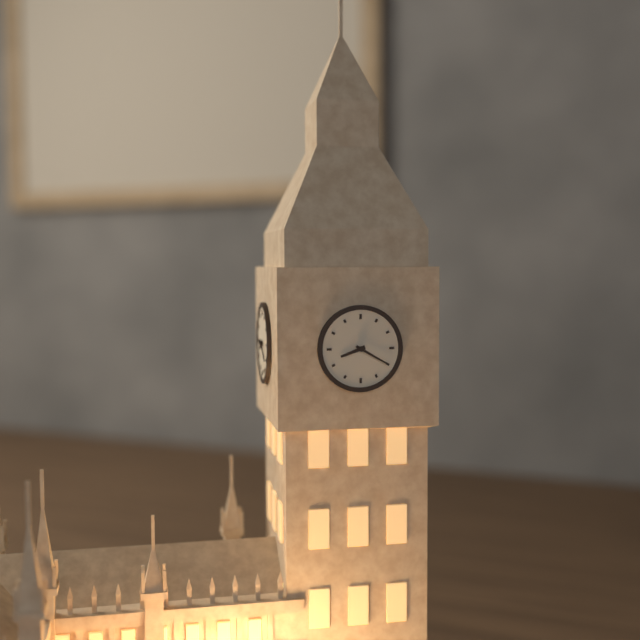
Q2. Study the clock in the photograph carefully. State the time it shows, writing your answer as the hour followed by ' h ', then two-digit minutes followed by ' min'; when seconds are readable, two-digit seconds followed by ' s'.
8 h 20 min
